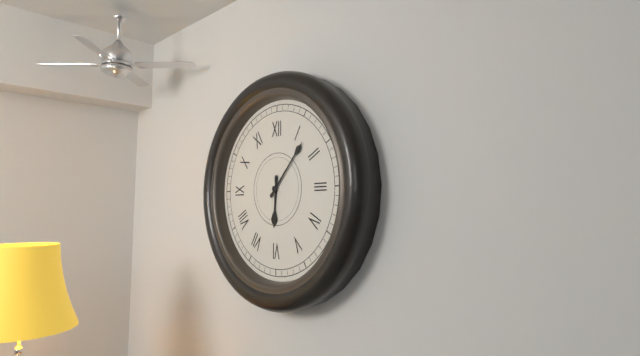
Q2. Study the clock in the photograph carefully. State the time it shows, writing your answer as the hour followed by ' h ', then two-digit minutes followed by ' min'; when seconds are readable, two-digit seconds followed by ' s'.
6 h 07 min
